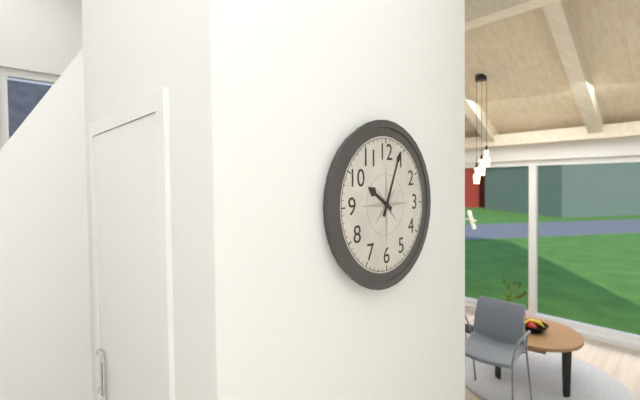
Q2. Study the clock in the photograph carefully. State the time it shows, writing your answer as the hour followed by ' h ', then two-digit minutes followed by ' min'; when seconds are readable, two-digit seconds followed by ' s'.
10 h 04 min
